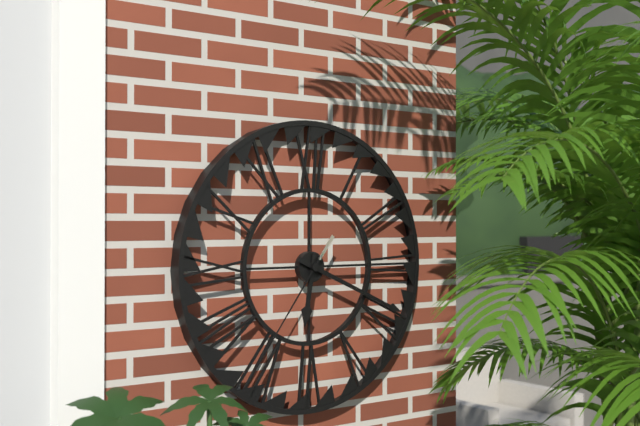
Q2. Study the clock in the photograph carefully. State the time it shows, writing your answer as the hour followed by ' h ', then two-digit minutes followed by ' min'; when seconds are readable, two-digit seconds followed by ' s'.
6 h 19 min 36 s
